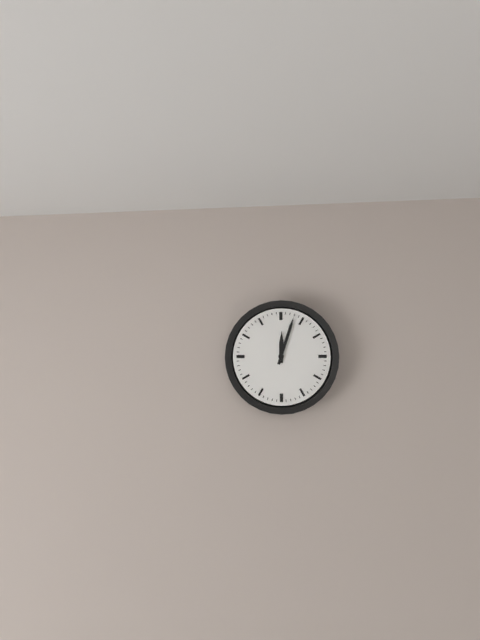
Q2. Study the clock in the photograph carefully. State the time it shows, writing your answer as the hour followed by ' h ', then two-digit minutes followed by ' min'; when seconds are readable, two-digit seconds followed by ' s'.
12 h 03 min
